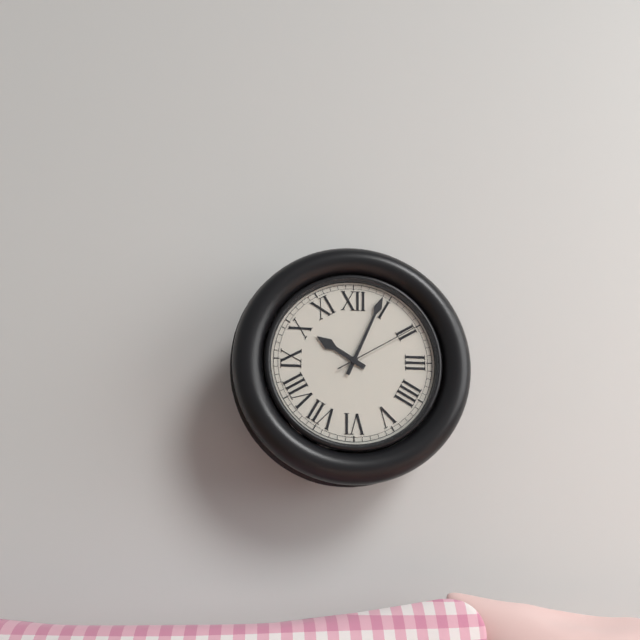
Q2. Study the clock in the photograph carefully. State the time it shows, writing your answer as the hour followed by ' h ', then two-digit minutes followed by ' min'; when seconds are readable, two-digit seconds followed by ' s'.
10 h 04 min 10 s
